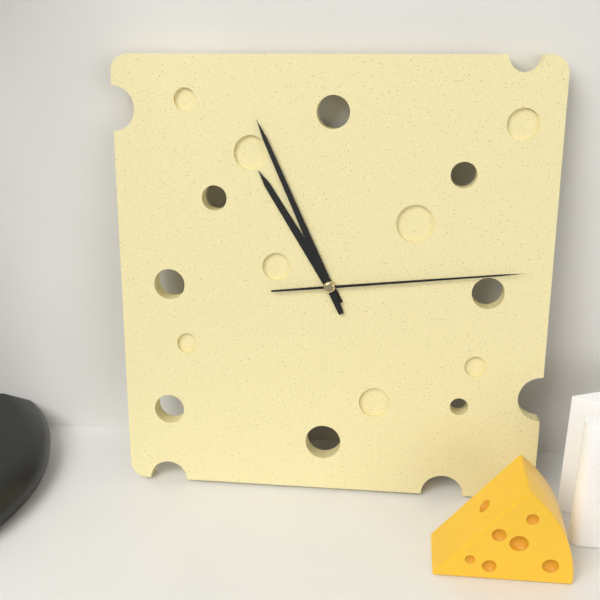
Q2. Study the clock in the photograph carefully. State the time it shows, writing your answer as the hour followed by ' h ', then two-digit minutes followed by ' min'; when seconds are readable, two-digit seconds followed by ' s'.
10 h 56 min 14 s
